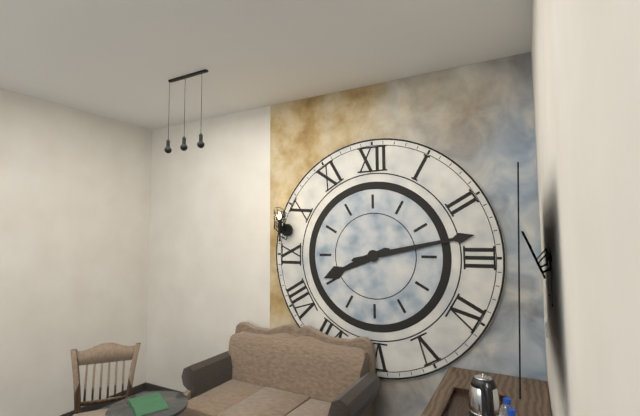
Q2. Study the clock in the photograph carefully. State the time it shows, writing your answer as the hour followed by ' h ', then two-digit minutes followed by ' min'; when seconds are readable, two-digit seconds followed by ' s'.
8 h 13 min
